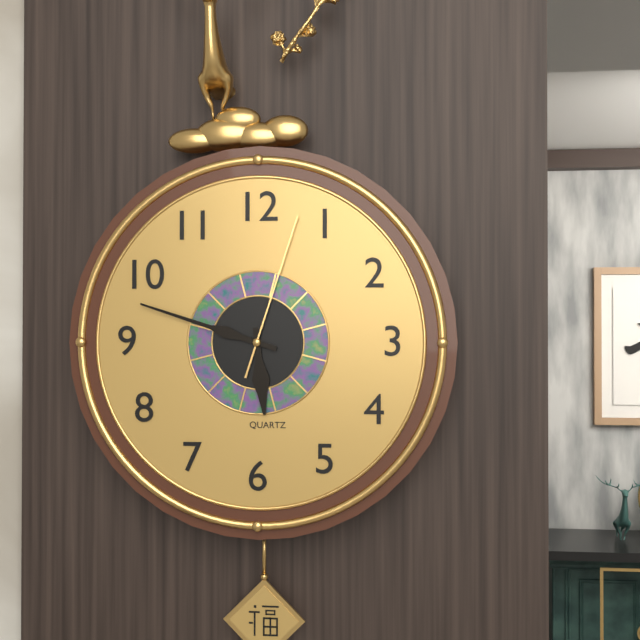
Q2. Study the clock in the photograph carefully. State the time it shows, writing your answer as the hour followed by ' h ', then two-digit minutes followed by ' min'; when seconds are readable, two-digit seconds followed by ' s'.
5 h 48 min 03 s
